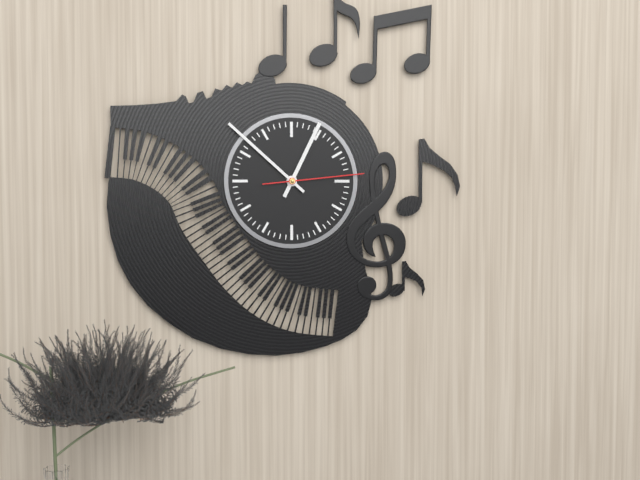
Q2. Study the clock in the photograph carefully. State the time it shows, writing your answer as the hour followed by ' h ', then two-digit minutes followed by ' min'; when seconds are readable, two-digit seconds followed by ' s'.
12 h 52 min 14 s
